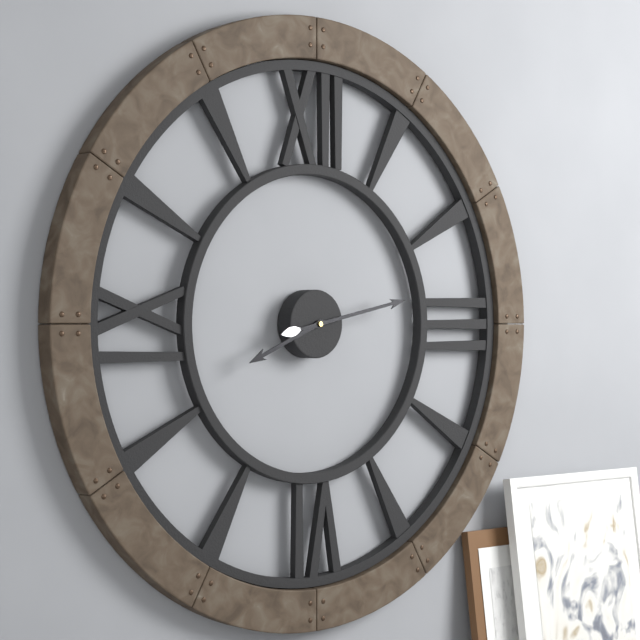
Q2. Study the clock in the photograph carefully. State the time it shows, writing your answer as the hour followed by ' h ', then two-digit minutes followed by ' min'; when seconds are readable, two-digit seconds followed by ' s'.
8 h 13 min
